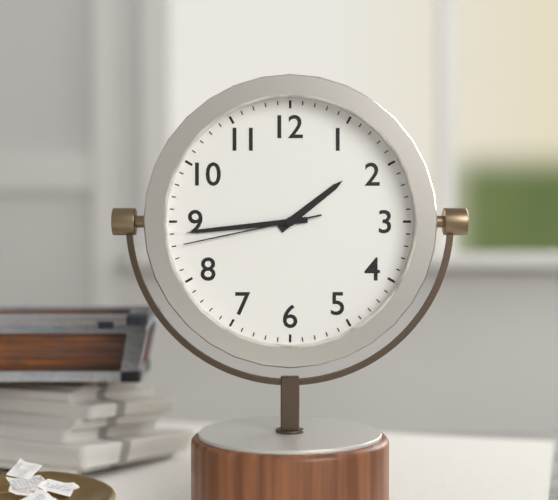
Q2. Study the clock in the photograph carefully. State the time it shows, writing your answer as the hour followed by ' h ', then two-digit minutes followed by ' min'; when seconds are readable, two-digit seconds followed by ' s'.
1 h 44 min 43 s
